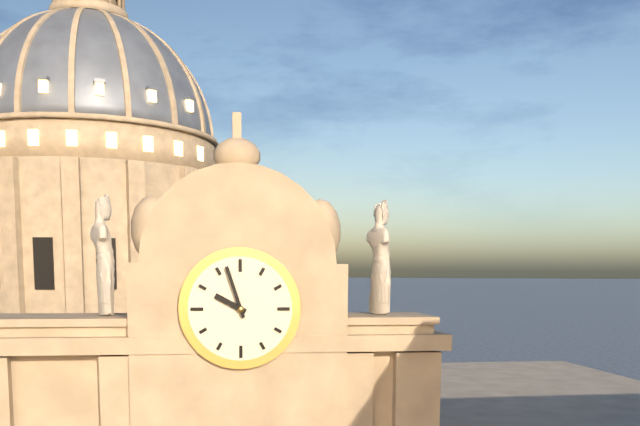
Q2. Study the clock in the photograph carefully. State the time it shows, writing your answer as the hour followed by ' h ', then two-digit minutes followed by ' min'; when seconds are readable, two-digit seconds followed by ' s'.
9 h 57 min
